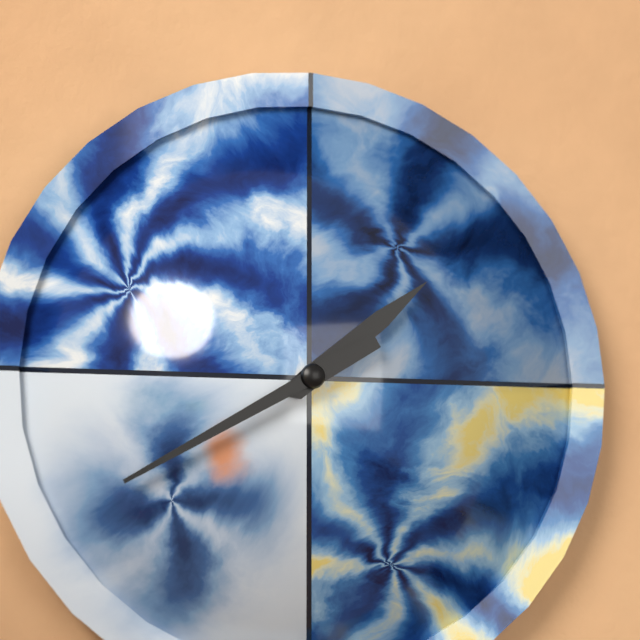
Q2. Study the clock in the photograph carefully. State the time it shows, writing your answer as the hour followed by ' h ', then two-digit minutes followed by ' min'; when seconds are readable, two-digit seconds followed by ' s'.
1 h 40 min
